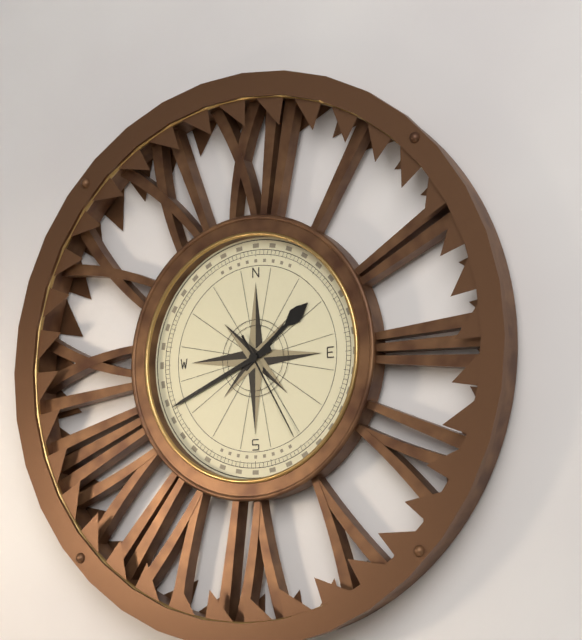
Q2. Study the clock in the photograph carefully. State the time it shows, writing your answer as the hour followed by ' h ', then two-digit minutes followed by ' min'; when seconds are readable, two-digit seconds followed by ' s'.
1 h 41 min 25 s
